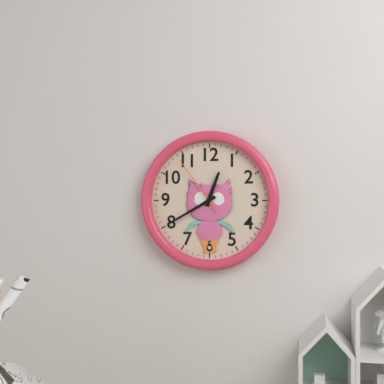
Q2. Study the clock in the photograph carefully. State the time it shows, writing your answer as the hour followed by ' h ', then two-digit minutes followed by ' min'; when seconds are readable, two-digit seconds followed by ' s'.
12 h 40 min 54 s
